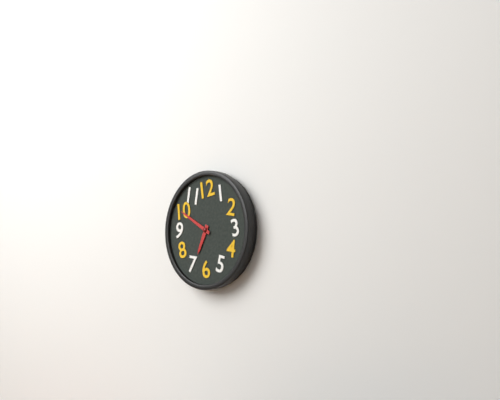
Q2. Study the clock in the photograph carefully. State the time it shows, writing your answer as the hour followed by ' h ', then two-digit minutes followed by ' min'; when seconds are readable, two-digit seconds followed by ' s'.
6 h 50 min
